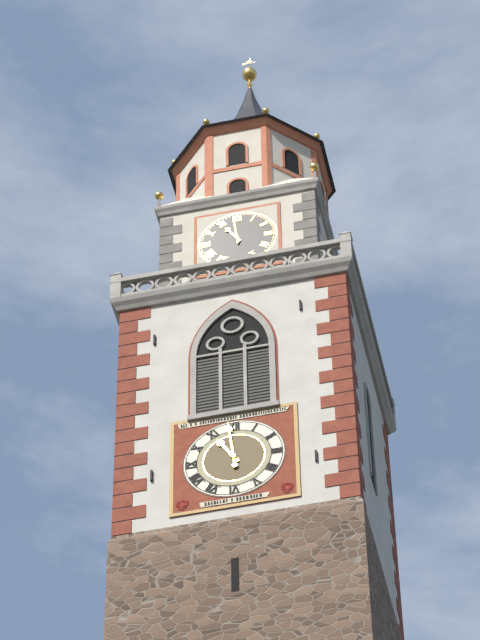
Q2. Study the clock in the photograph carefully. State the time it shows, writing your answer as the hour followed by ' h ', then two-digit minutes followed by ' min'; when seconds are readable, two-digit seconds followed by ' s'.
10 h 59 min
